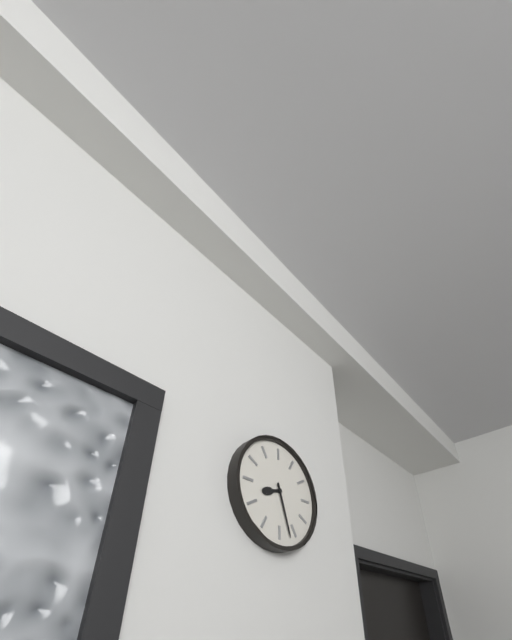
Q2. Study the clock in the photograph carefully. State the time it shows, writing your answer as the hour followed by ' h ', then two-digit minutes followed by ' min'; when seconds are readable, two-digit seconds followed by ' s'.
8 h 27 min
